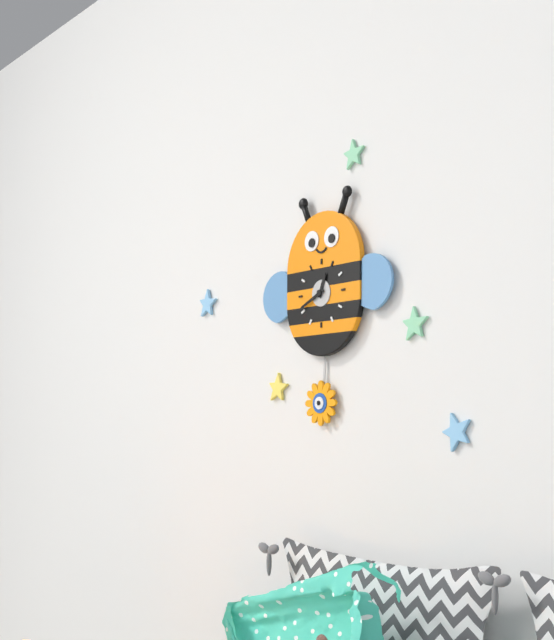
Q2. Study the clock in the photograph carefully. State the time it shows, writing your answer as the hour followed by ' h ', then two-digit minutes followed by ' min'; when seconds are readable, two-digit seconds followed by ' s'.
12 h 41 min
